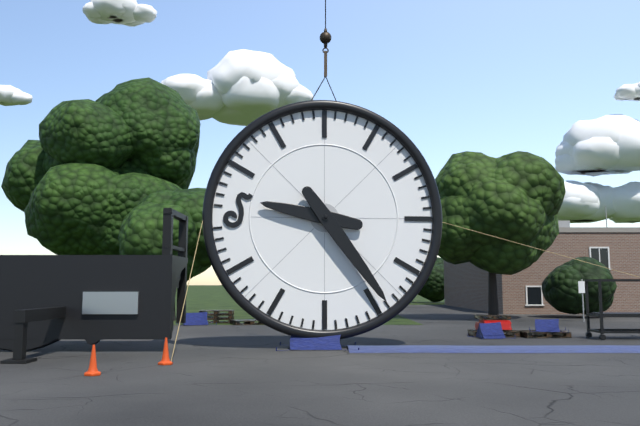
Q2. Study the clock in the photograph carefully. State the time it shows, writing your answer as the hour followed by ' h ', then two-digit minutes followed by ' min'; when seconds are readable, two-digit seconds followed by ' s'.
9 h 24 min
